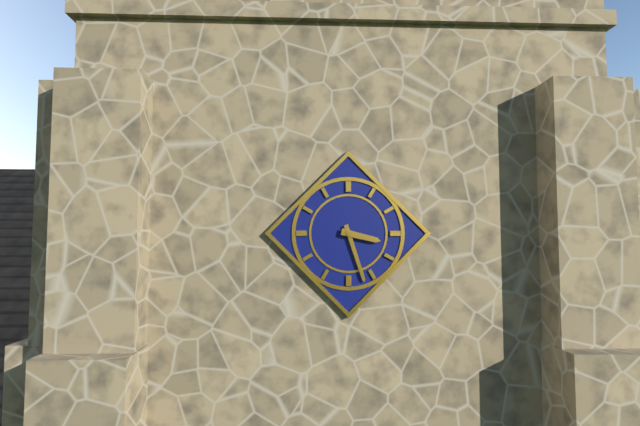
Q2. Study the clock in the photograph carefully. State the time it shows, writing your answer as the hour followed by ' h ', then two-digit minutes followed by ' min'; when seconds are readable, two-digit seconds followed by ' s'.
3 h 27 min
